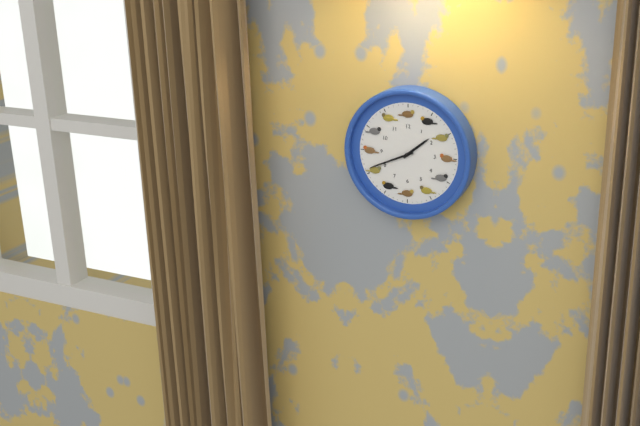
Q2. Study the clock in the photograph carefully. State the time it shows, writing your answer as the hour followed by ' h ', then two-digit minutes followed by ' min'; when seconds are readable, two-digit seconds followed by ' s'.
1 h 41 min
